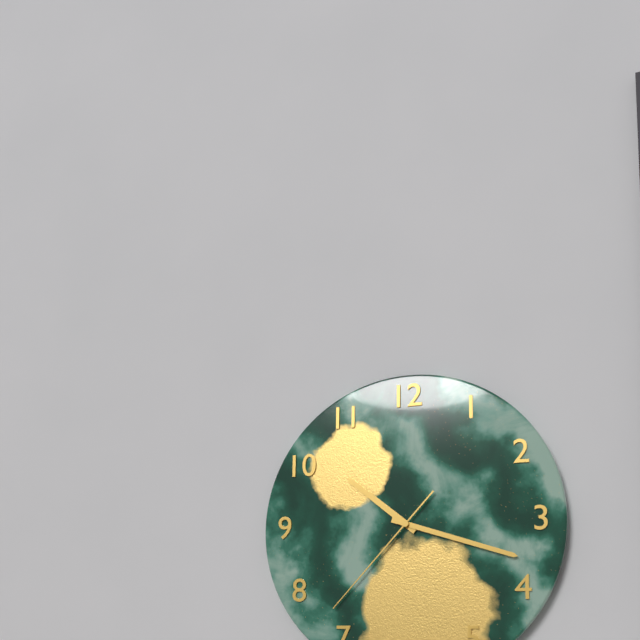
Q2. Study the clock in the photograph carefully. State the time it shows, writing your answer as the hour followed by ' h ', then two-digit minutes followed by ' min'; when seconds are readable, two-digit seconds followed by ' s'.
10 h 18 min 37 s
